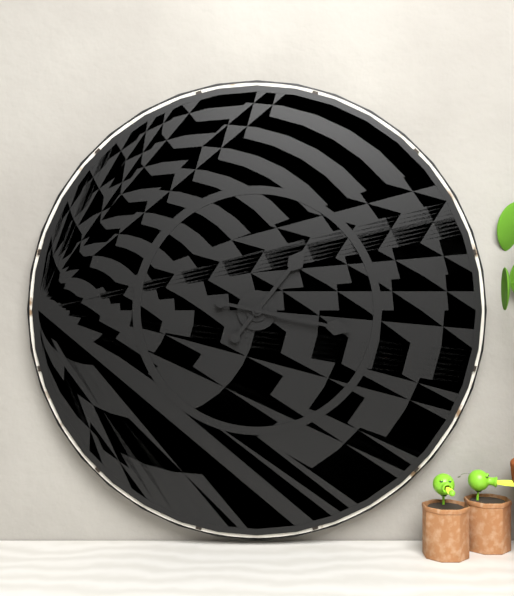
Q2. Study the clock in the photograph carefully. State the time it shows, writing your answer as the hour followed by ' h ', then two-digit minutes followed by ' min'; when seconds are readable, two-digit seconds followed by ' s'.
1 h 17 min
